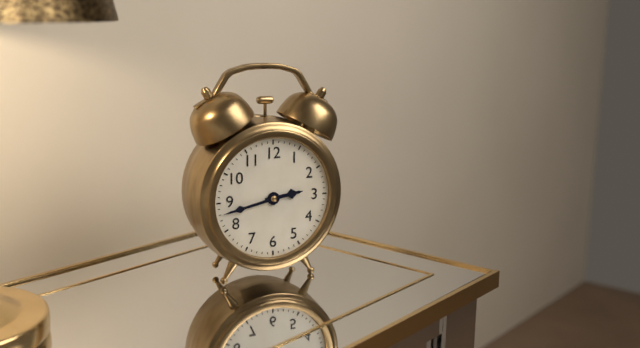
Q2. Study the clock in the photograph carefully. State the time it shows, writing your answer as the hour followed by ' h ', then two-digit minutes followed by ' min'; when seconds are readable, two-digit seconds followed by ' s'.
2 h 43 min
